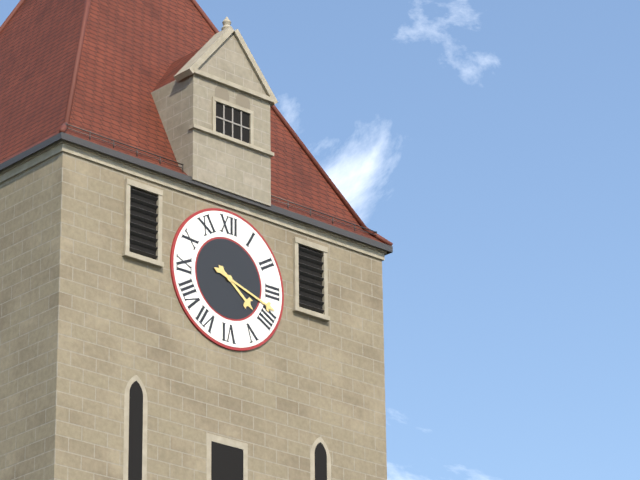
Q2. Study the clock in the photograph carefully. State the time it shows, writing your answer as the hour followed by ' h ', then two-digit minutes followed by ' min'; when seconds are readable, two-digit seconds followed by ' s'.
4 h 18 min
